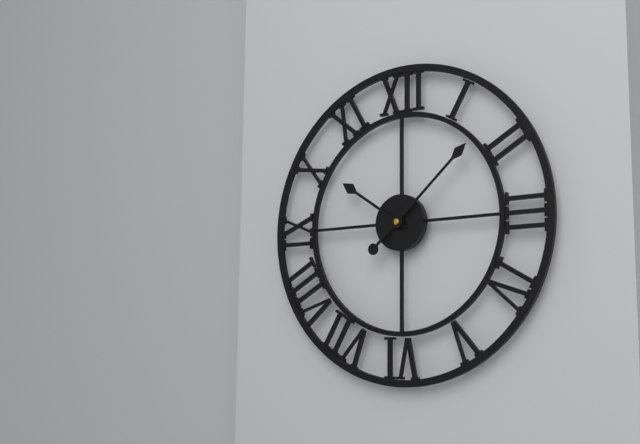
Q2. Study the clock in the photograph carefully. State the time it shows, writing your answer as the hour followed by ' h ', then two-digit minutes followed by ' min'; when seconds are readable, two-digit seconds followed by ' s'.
10 h 08 min
